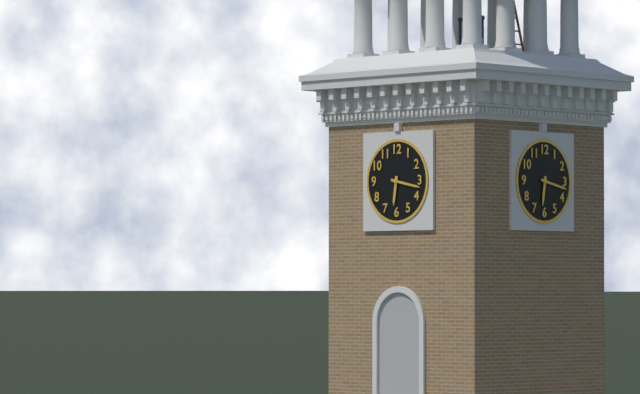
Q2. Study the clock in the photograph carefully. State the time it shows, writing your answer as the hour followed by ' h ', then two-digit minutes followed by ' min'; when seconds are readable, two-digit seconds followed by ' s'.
6 h 17 min
